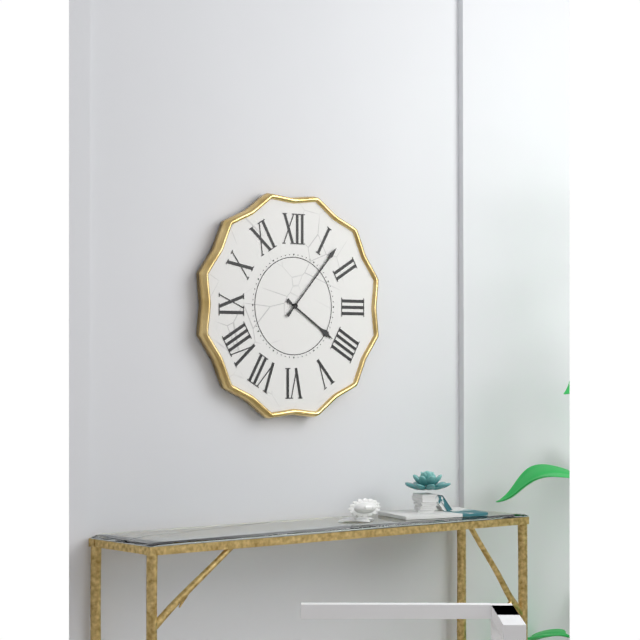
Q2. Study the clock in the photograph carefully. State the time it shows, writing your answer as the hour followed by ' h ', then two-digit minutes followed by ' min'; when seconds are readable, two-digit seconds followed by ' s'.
4 h 07 min
